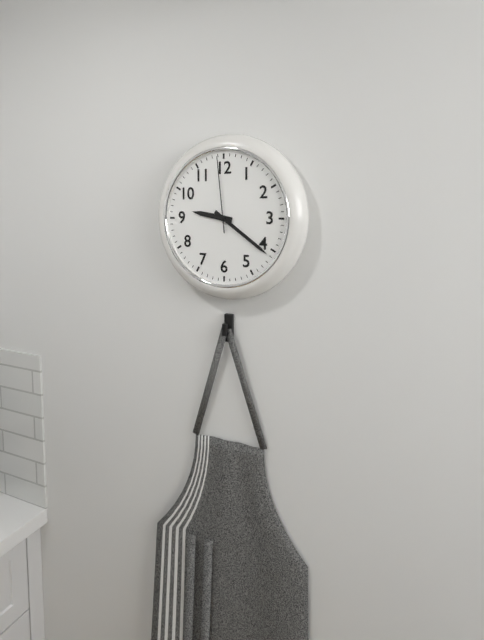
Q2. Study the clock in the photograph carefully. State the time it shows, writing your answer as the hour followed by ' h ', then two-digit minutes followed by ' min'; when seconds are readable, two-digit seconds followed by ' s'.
9 h 21 min 59 s
